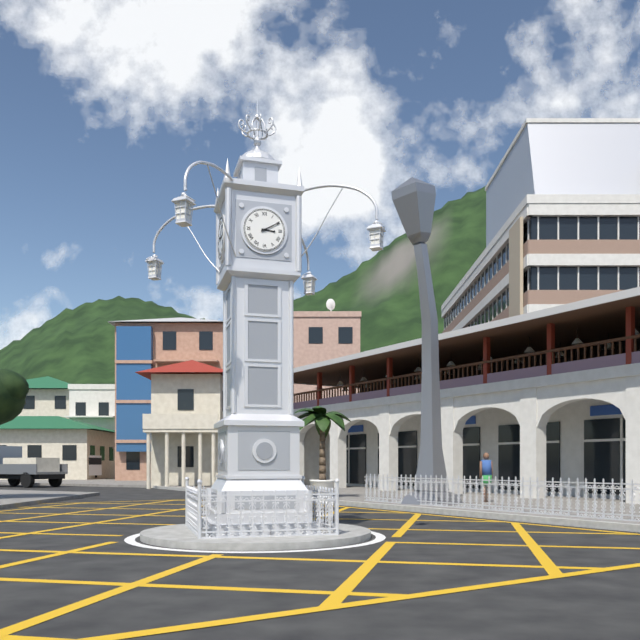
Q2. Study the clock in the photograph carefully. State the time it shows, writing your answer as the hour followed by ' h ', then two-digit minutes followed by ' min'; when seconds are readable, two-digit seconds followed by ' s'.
3 h 10 min
